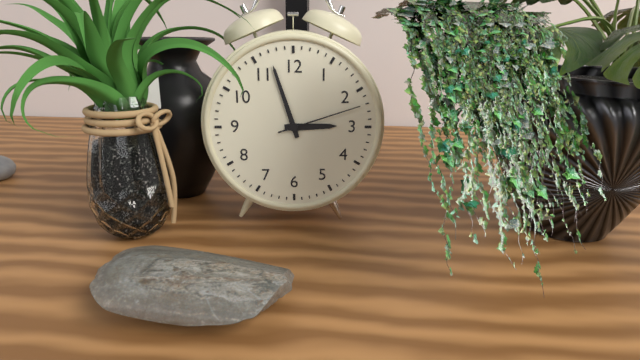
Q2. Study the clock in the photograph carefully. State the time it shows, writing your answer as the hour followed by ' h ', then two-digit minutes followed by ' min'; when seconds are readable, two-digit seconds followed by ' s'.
2 h 57 min 12 s
